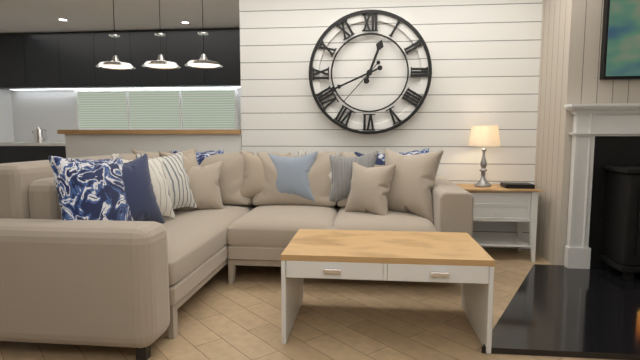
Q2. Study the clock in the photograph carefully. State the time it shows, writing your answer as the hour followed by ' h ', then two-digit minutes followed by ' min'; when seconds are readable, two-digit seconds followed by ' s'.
12 h 41 min
